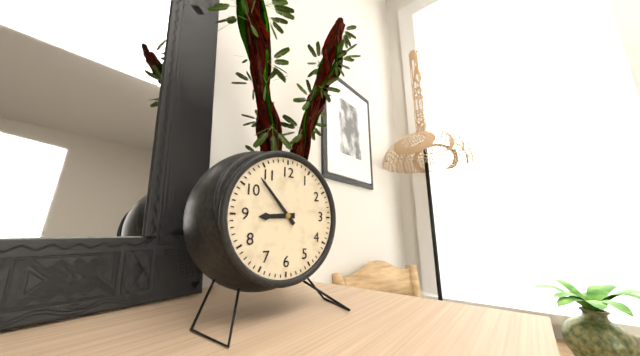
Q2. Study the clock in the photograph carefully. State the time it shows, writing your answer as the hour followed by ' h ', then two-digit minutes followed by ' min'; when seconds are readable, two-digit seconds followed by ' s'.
8 h 53 min
